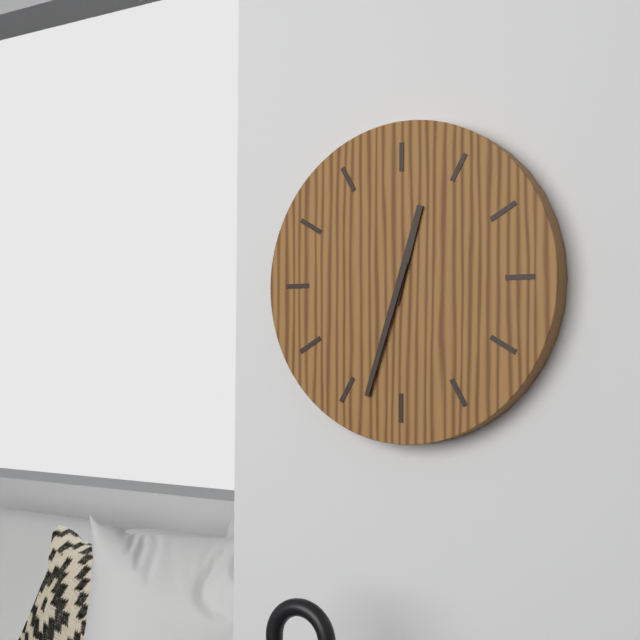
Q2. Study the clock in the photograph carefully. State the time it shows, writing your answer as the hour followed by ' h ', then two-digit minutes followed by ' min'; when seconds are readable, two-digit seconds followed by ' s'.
12 h 33 min
